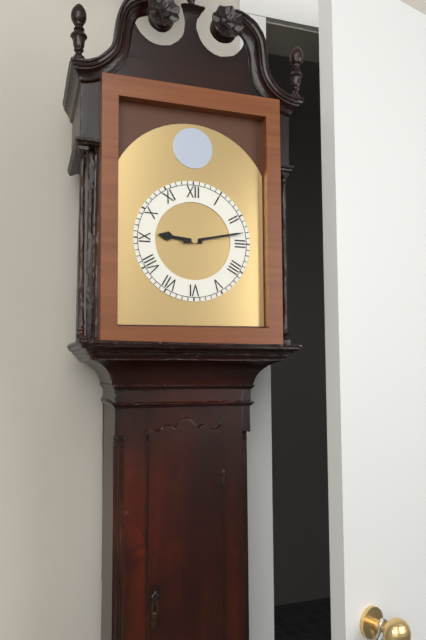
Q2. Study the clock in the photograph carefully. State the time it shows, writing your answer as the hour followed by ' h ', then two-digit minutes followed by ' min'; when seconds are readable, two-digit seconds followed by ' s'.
9 h 13 min
